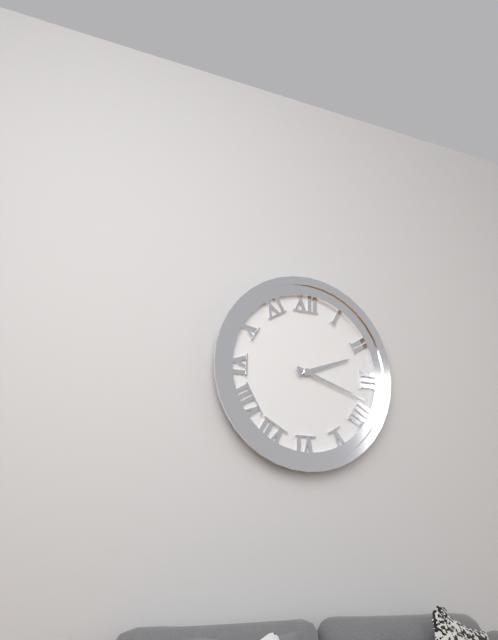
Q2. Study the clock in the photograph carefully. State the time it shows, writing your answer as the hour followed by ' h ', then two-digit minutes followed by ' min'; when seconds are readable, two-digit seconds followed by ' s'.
2 h 18 min
